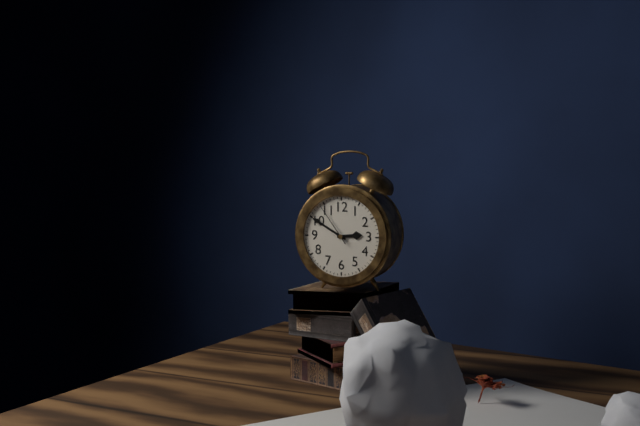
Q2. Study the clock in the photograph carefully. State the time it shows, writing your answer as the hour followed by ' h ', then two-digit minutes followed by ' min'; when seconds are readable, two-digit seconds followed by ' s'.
2 h 50 min
